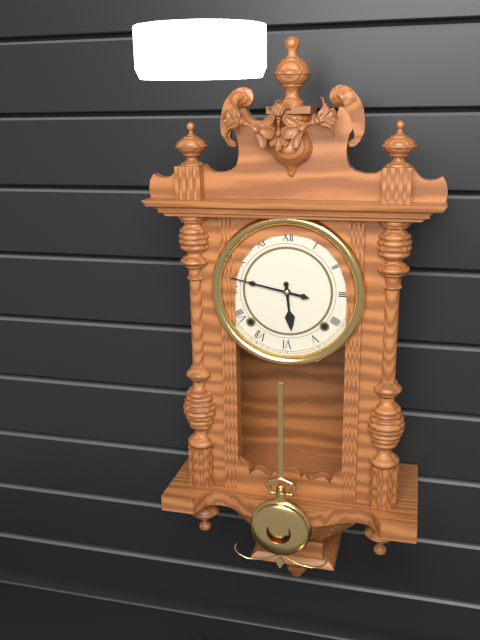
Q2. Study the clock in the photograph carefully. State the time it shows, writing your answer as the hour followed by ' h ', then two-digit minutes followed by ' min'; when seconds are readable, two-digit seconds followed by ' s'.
5 h 47 min
